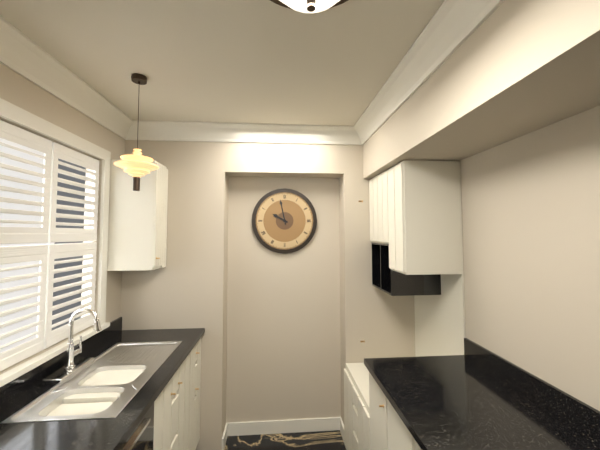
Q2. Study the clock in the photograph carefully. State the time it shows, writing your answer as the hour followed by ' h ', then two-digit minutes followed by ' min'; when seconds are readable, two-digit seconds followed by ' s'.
9 h 58 min
